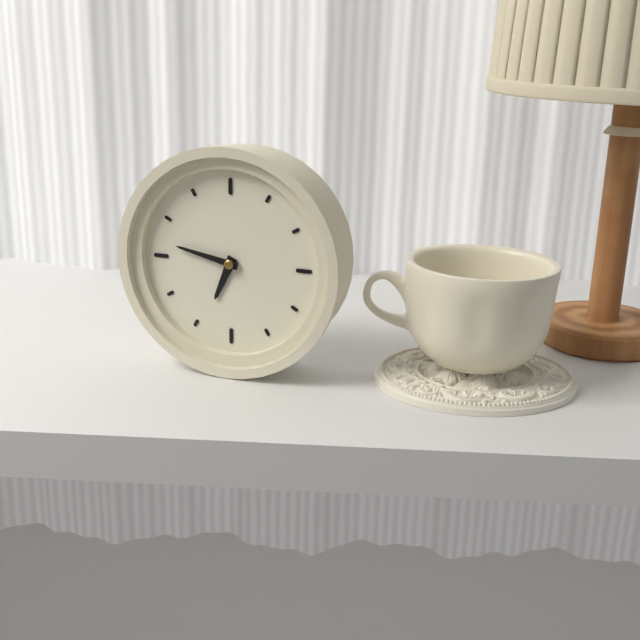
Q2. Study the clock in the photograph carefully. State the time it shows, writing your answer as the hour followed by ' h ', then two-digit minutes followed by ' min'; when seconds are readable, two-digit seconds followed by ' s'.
6 h 47 min
